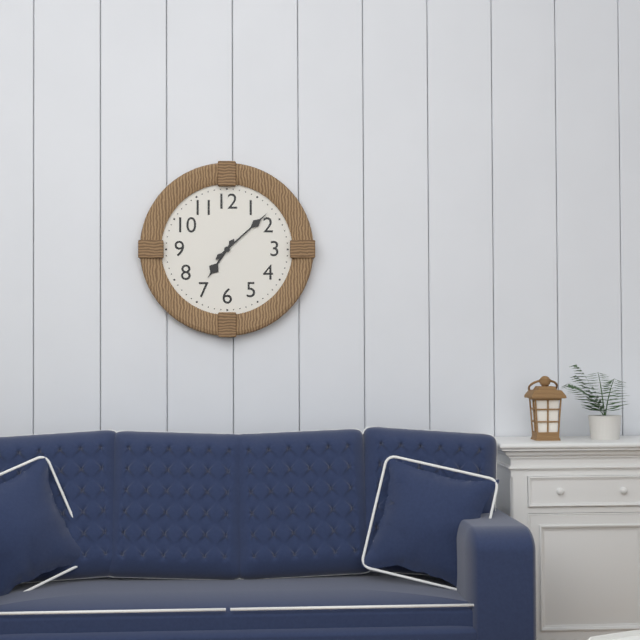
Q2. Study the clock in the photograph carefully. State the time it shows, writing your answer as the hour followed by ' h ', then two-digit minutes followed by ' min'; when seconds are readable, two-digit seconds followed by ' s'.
7 h 08 min
